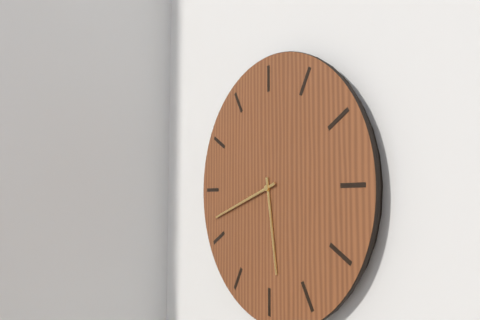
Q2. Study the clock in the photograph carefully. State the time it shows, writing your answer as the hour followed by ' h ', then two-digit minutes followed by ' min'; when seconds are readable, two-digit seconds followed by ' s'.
5 h 42 min
